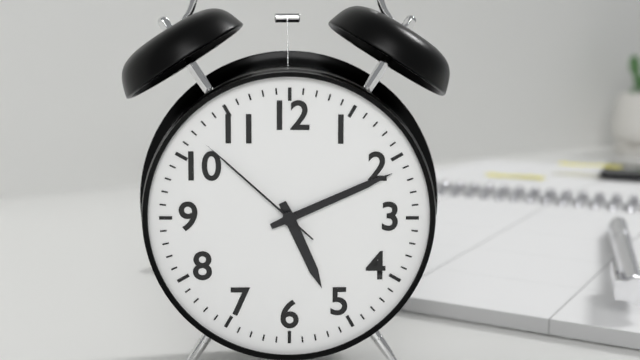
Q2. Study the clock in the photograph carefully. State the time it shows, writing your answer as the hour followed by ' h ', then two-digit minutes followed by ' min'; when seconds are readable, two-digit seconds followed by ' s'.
5 h 11 min 52 s
